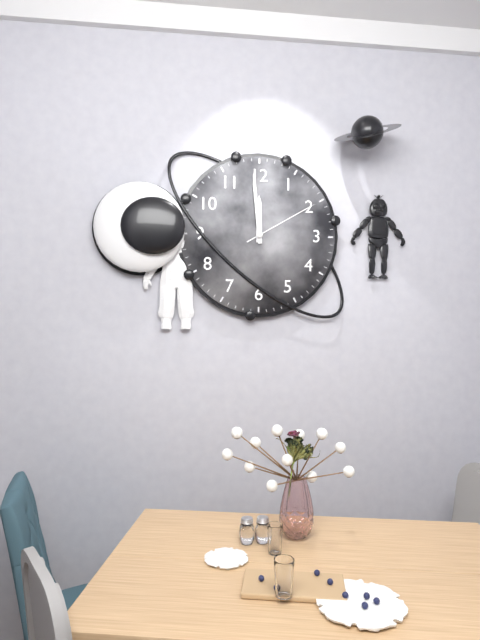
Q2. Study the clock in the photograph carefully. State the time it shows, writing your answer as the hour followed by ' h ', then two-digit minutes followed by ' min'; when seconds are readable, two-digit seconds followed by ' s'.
11 h 59 min 10 s
